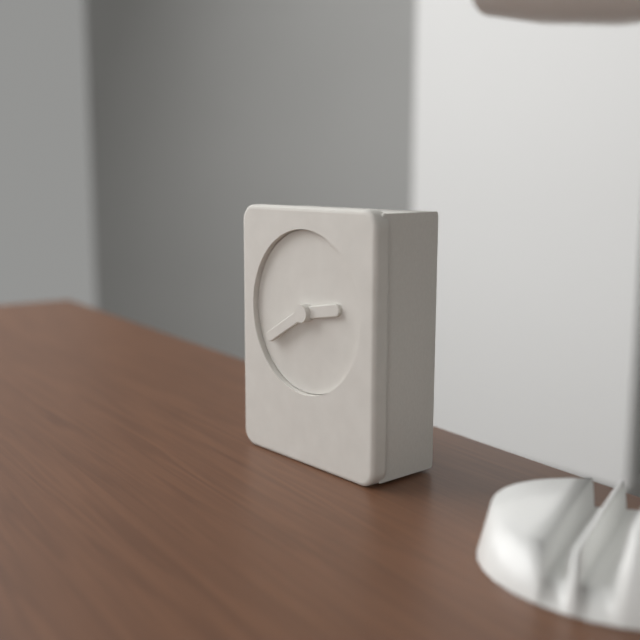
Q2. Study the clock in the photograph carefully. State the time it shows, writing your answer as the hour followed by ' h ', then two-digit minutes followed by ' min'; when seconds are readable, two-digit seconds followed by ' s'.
2 h 40 min
